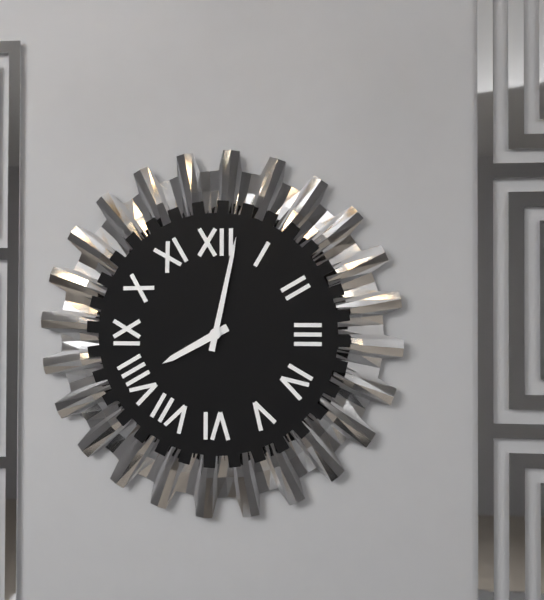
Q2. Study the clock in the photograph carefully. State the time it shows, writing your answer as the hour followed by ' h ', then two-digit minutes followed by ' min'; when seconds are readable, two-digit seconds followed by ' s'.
8 h 02 min
